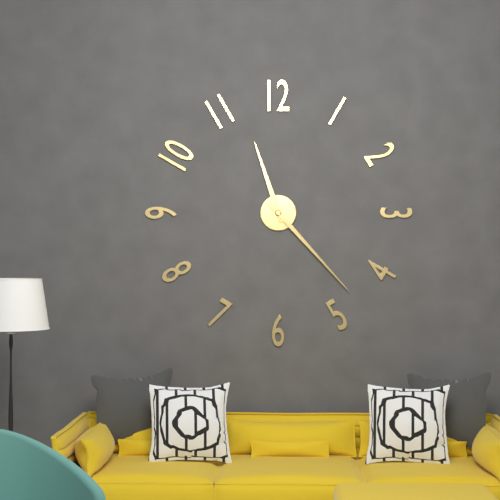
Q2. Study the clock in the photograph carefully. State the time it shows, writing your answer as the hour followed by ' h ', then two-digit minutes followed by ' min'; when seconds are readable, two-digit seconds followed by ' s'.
11 h 23 min
